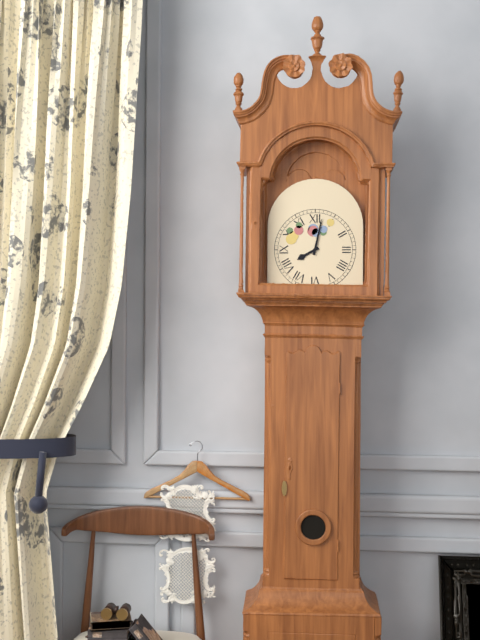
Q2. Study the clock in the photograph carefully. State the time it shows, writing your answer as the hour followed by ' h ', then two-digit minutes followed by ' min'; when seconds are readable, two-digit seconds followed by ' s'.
8 h 02 min
